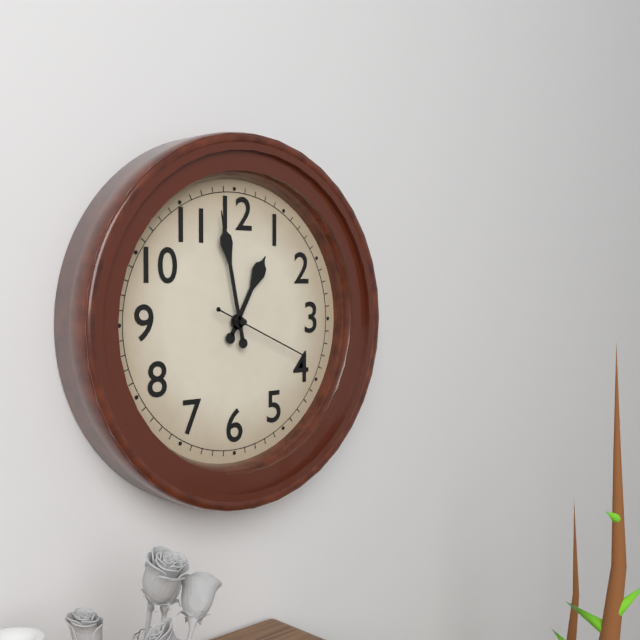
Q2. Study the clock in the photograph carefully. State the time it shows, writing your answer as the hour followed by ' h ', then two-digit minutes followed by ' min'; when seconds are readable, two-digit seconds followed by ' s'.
12 h 58 min 19 s
